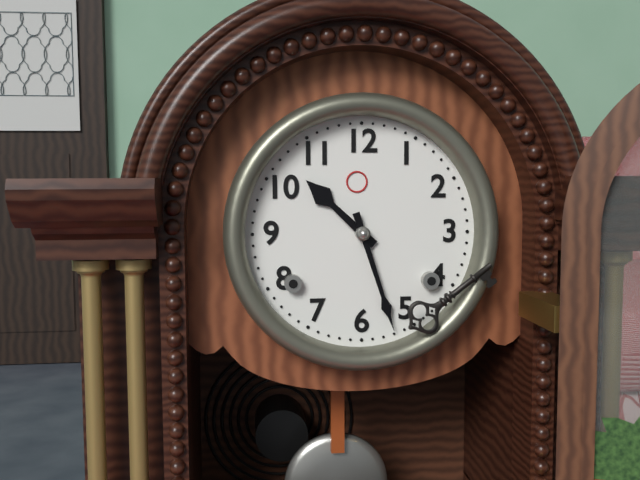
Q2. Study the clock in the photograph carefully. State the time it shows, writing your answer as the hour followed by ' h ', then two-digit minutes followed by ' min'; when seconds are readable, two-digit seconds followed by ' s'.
10 h 27 min
